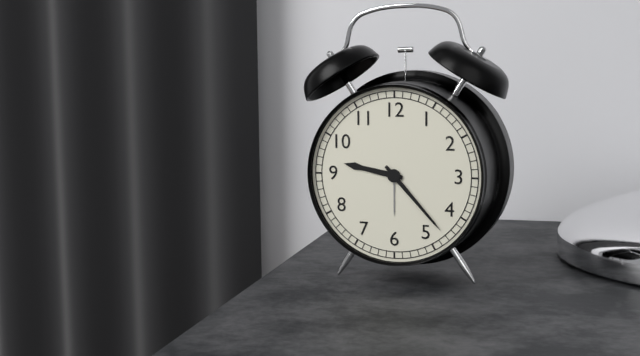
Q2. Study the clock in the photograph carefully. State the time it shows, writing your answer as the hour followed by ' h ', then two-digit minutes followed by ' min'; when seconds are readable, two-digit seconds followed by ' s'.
9 h 23 min
